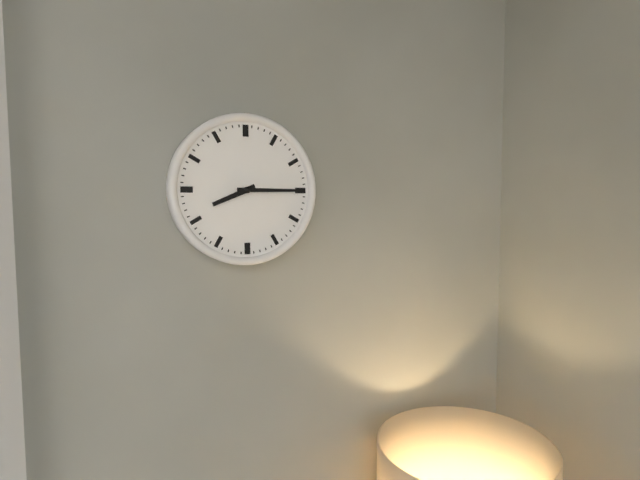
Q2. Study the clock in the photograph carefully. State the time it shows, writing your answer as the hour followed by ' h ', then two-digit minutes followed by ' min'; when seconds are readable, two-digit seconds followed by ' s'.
8 h 15 min
